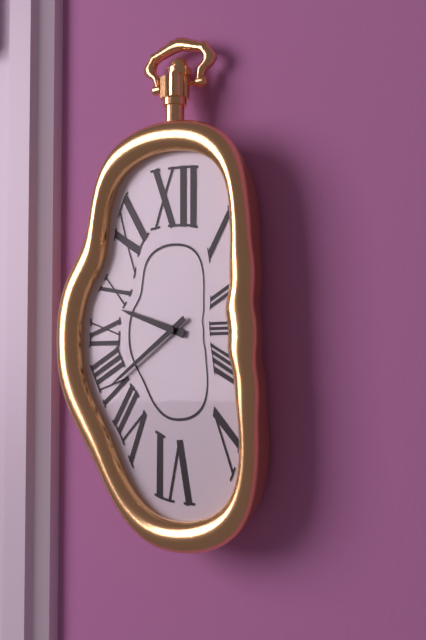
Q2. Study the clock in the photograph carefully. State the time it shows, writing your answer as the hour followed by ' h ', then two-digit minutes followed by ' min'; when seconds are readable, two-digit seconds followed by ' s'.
9 h 39 min
